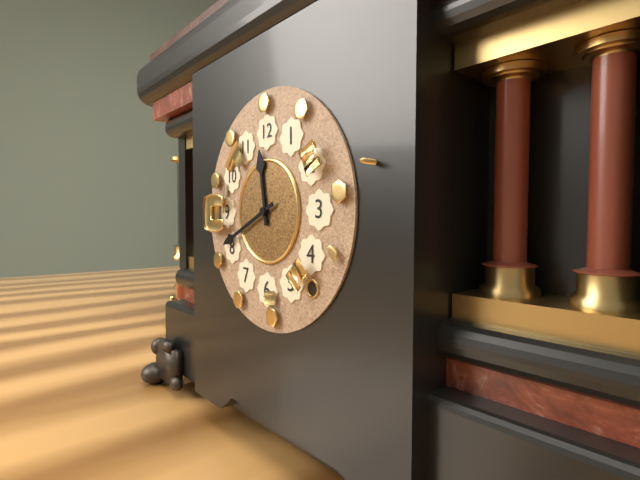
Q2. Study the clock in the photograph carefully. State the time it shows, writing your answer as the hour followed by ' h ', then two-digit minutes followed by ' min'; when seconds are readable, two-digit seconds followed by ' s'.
11 h 41 min
